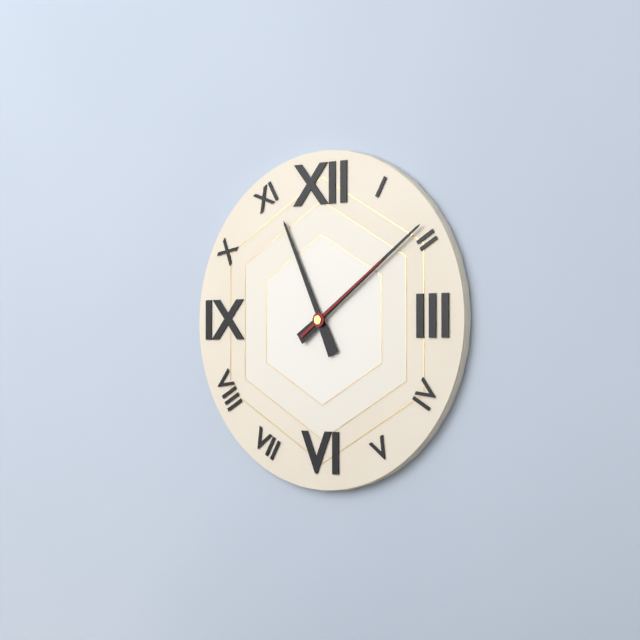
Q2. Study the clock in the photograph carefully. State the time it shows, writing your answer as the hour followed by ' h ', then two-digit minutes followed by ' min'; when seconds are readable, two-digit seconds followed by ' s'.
11 h 09 min 09 s
